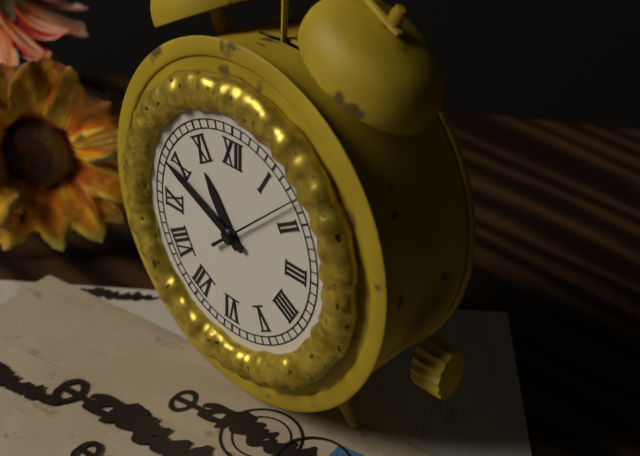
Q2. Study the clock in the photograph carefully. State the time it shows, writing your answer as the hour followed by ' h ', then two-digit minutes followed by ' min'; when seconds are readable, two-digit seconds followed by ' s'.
10 h 49 min 08 s
